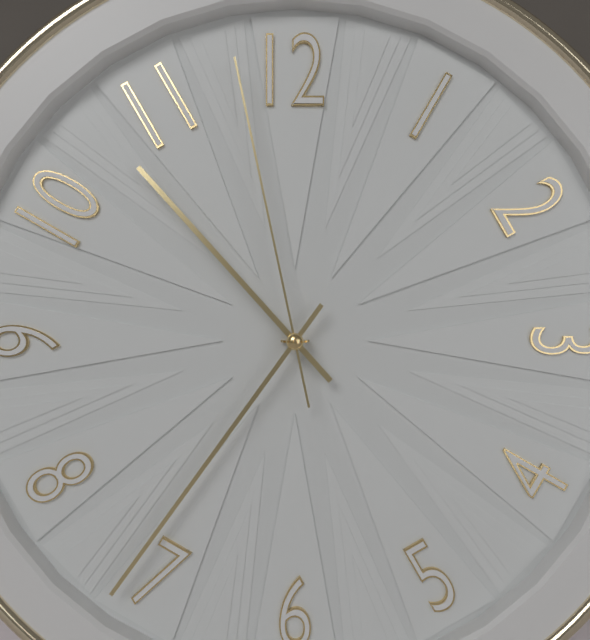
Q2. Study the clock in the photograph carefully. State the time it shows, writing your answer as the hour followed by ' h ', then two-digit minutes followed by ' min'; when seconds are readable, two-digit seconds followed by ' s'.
10 h 36 min 58 s
